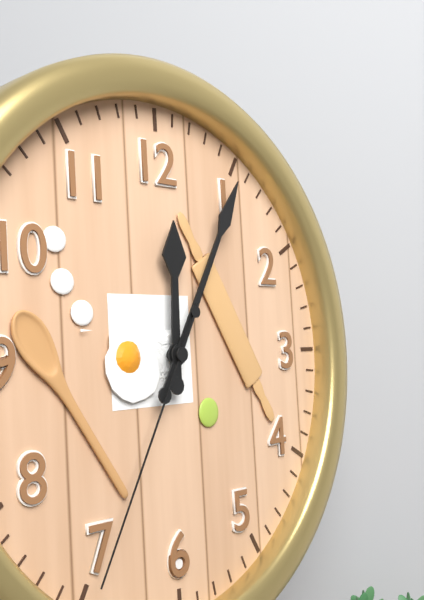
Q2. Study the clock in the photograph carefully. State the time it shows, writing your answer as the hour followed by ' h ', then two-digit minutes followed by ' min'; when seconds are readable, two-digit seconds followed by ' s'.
12 h 05 min 35 s
